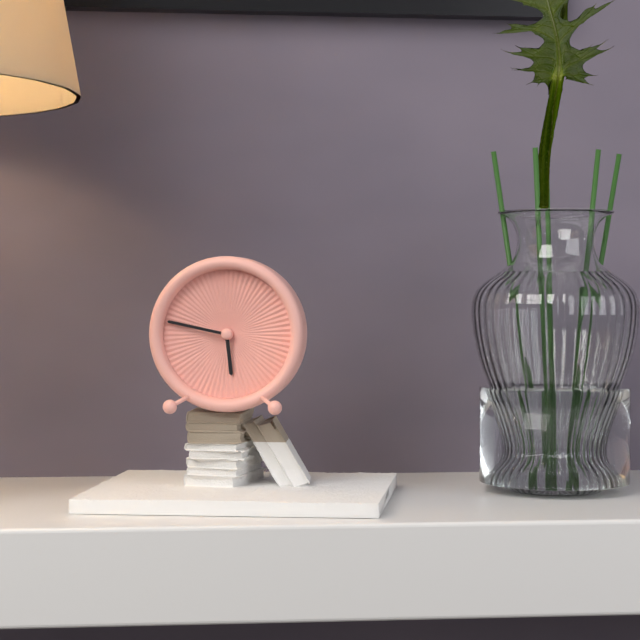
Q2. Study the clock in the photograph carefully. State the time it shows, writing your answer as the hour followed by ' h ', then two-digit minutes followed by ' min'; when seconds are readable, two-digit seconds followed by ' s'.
5 h 47 min
